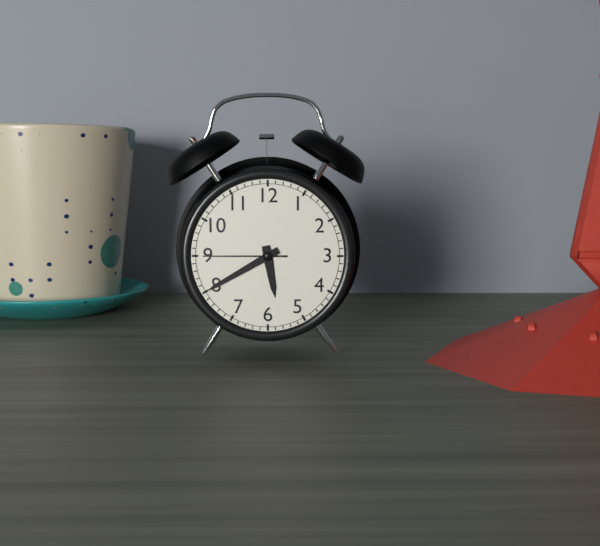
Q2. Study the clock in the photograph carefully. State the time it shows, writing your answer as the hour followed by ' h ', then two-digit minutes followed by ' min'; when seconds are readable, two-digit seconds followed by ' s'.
5 h 40 min 45 s
